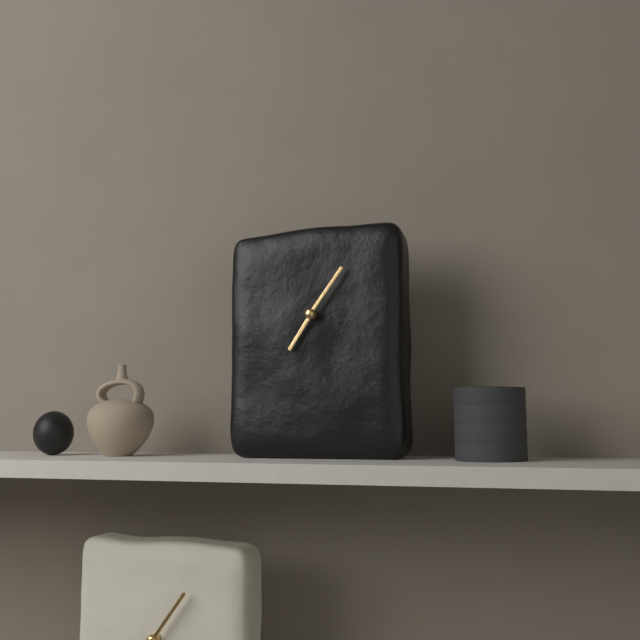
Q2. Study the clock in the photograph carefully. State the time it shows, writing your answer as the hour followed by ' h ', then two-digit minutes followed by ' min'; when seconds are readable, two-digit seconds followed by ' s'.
7 h 06 min
